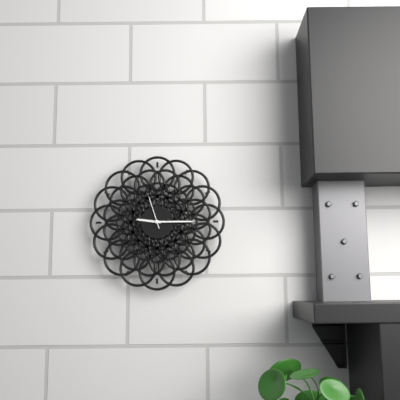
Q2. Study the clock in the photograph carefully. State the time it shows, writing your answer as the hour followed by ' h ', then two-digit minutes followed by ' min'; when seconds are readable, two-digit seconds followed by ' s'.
9 h 15 min
